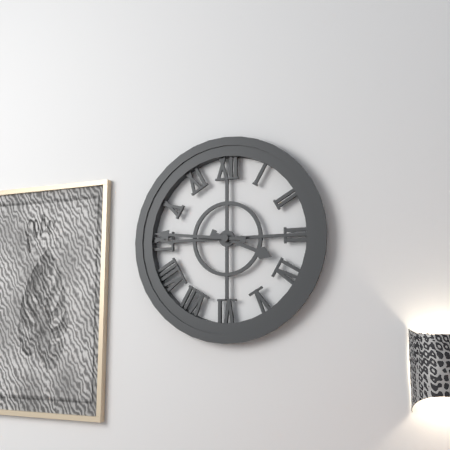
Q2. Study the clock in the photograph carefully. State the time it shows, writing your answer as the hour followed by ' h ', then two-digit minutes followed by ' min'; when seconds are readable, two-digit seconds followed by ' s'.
3 h 46 min
